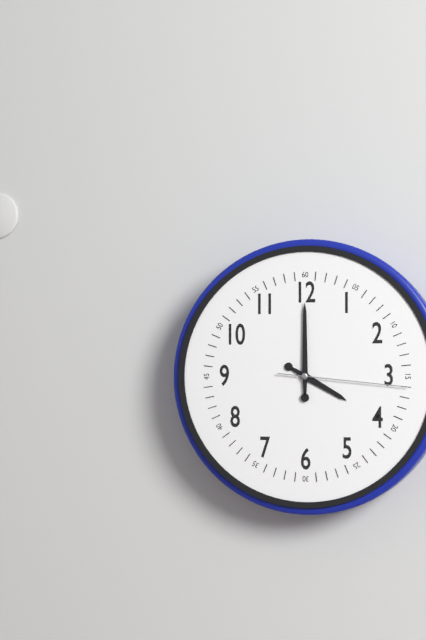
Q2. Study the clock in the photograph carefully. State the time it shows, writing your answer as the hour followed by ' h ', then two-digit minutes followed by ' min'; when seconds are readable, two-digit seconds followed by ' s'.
4 h 00 min 16 s
